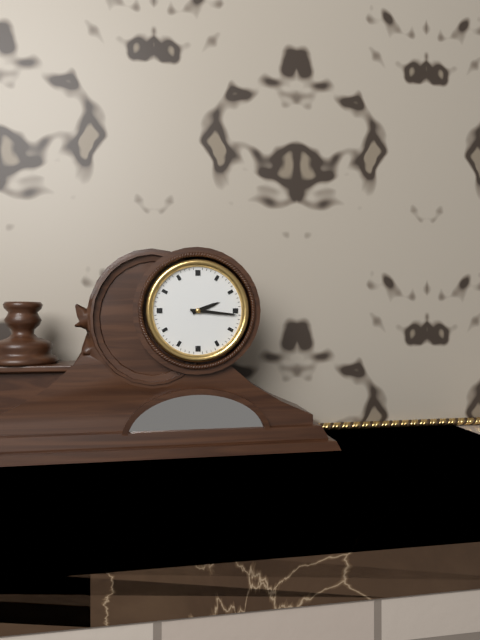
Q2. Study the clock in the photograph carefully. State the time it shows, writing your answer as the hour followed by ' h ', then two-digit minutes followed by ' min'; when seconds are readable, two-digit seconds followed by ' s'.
2 h 16 min
